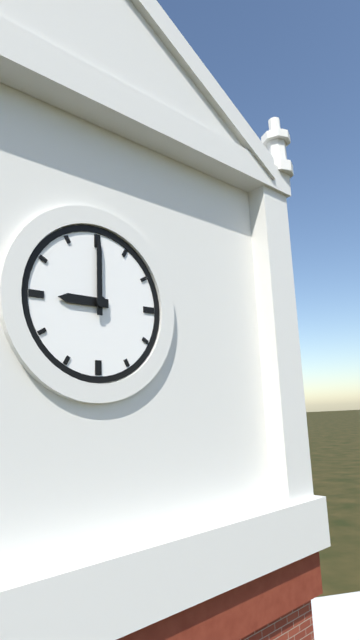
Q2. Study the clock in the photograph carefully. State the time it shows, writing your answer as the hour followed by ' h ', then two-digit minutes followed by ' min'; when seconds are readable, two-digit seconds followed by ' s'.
9 h 00 min
